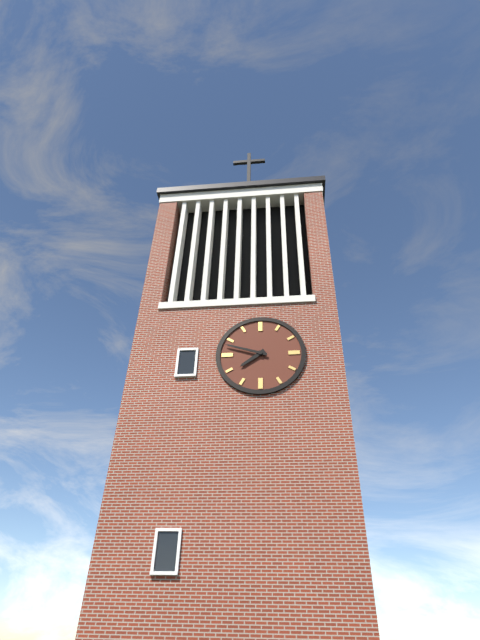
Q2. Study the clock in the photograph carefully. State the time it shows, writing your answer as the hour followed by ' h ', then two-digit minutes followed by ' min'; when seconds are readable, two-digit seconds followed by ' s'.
7 h 48 min
